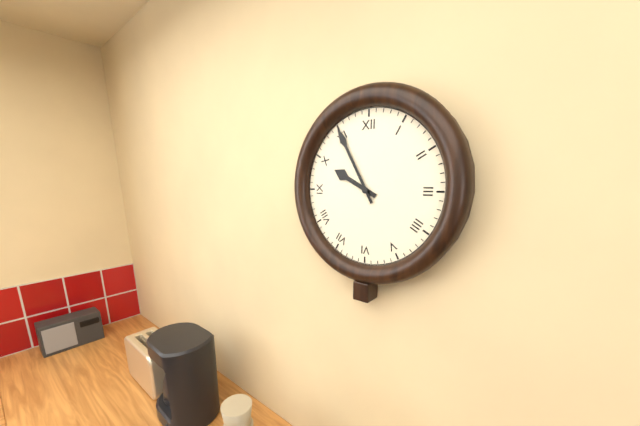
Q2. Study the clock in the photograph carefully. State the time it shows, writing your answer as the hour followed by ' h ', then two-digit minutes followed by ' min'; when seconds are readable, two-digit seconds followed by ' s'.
9 h 55 min
